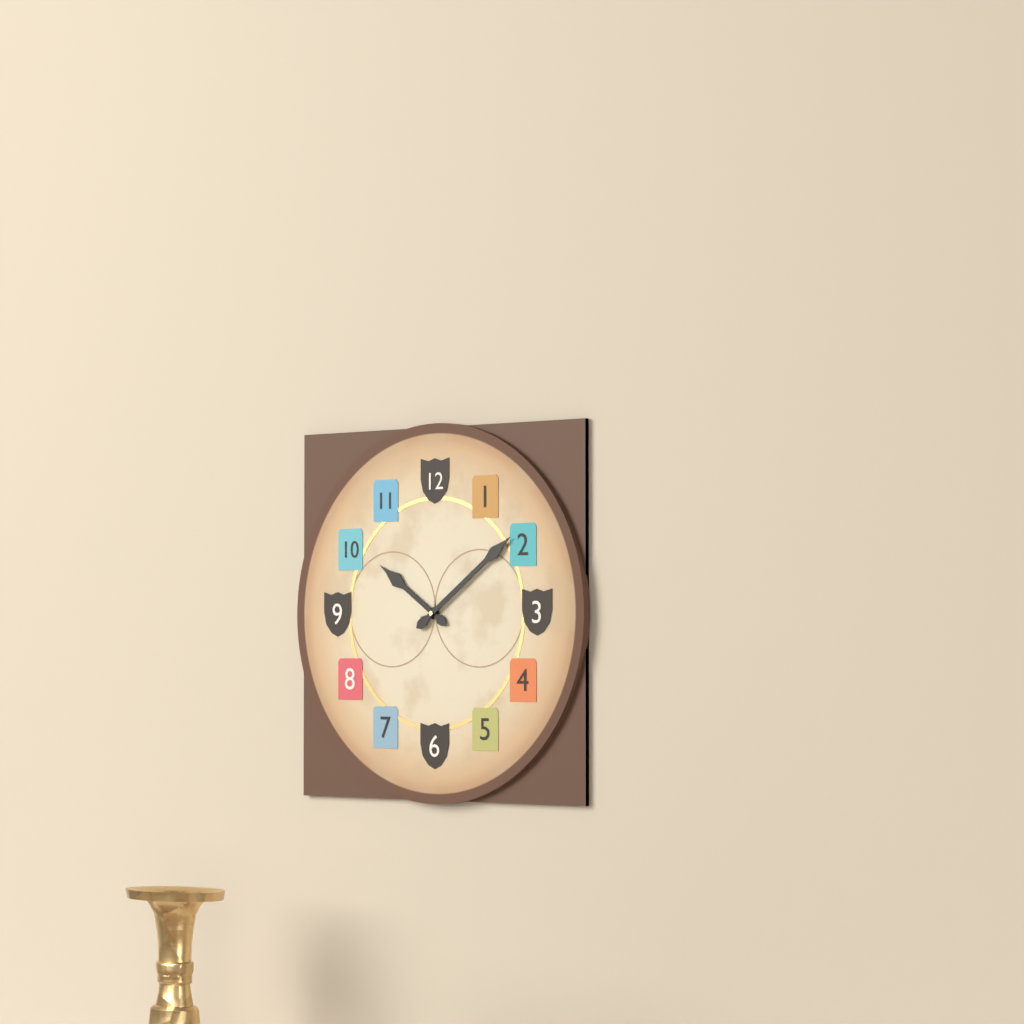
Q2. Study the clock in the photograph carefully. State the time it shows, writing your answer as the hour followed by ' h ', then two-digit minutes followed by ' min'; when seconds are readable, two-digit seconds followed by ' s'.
10 h 09 min
